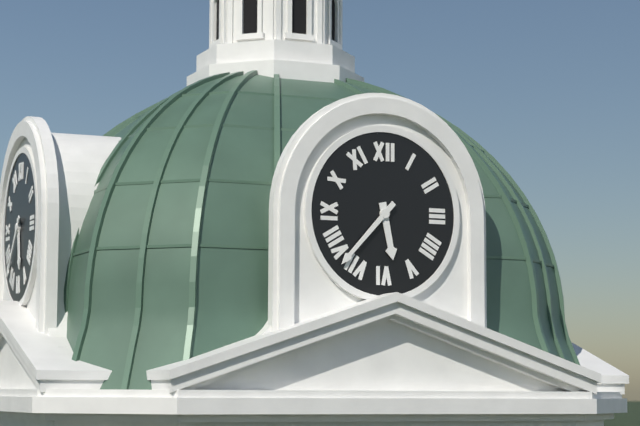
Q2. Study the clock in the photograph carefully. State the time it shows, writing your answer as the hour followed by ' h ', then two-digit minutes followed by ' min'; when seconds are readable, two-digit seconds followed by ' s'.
5 h 37 min
